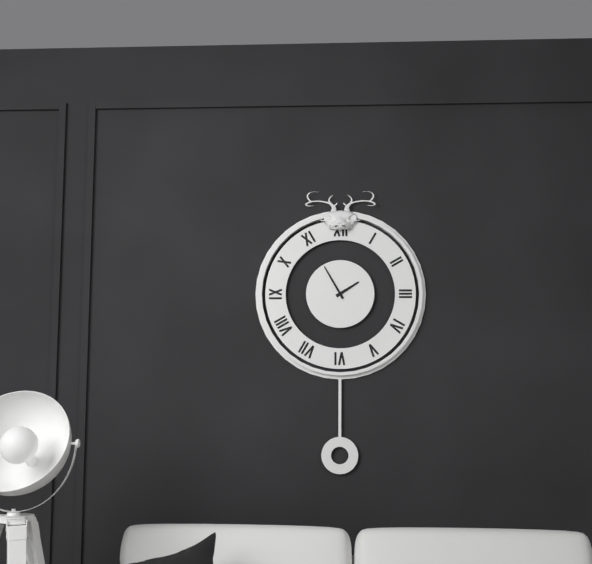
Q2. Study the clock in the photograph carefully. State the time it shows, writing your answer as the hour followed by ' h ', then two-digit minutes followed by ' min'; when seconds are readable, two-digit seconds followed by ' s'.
1 h 55 min
